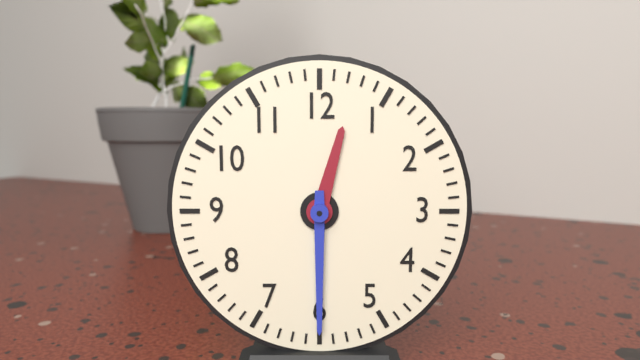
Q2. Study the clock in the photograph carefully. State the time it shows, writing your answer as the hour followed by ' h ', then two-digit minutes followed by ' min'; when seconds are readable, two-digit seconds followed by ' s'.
12 h 30 min
